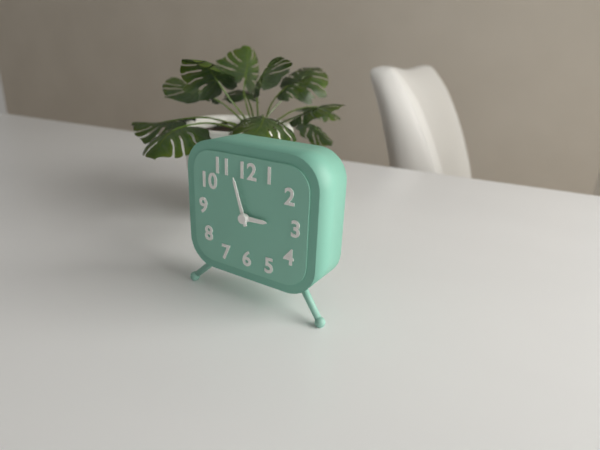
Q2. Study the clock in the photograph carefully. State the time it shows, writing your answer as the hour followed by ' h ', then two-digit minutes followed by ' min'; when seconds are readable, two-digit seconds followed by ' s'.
2 h 57 min
